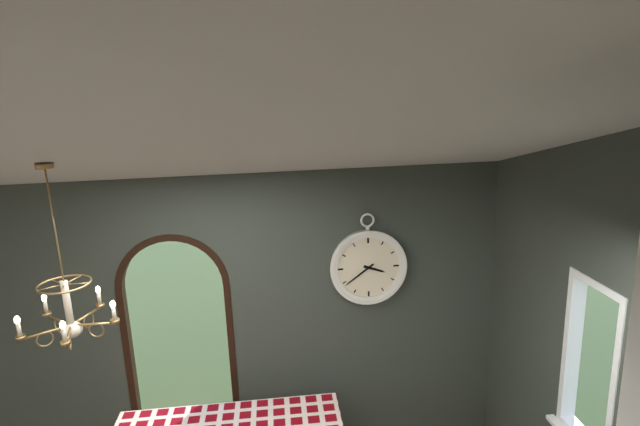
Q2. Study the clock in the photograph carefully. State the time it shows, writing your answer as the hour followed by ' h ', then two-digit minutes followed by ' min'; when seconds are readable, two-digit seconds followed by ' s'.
3 h 39 min
